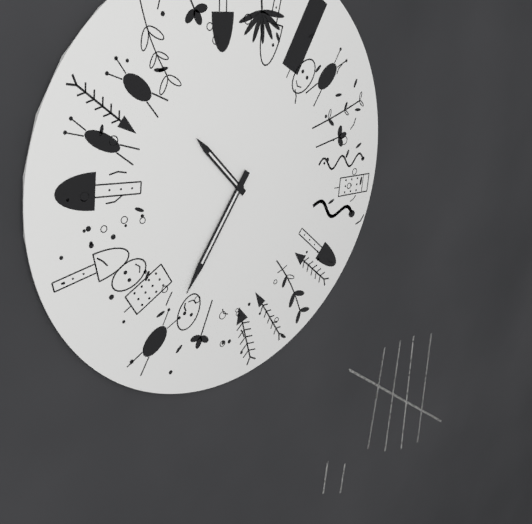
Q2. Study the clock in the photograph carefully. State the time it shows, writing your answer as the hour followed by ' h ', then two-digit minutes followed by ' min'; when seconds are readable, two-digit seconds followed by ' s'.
10 h 36 min
